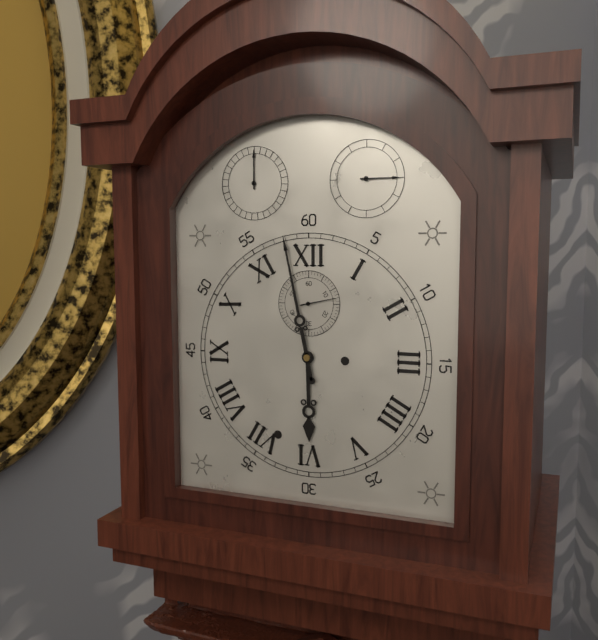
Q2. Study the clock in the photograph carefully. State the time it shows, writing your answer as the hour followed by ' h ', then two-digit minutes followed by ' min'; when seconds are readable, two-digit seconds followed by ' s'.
5 h 58 min
